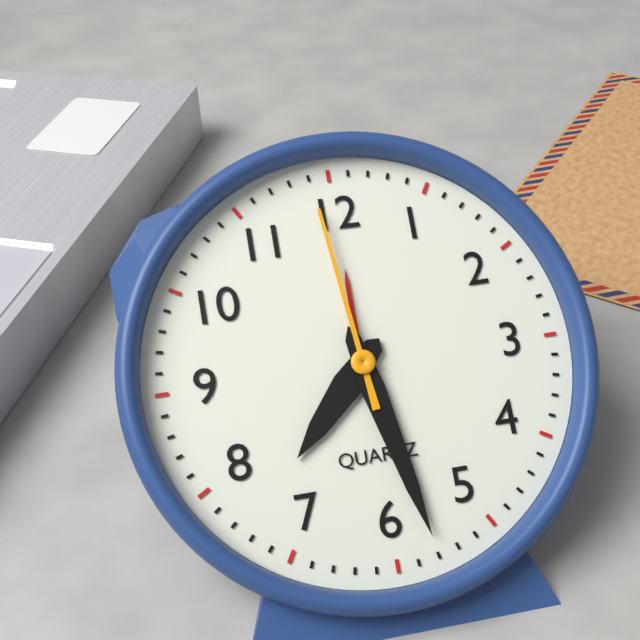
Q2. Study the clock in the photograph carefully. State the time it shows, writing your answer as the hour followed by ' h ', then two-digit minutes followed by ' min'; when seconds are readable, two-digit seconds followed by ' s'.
7 h 28 min 59 s
